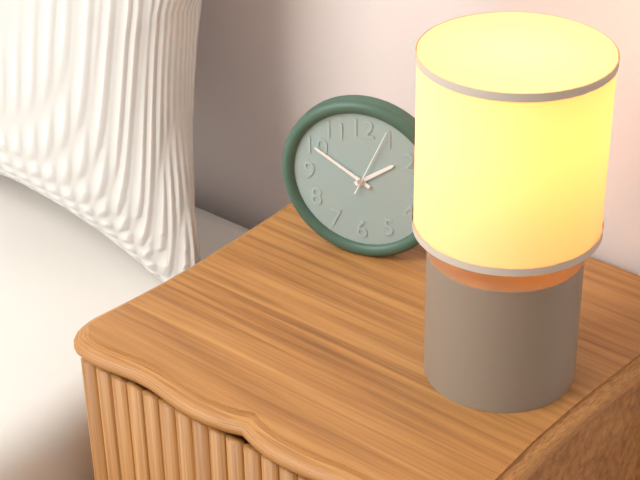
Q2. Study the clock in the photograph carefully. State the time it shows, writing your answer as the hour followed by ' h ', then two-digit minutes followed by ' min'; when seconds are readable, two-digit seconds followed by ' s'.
1 h 50 min 04 s
